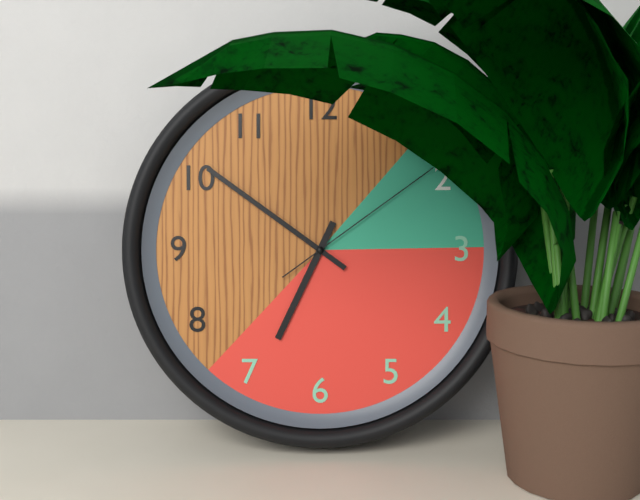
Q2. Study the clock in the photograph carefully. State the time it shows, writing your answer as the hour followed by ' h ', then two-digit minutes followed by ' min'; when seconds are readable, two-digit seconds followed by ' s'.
6 h 51 min 09 s
